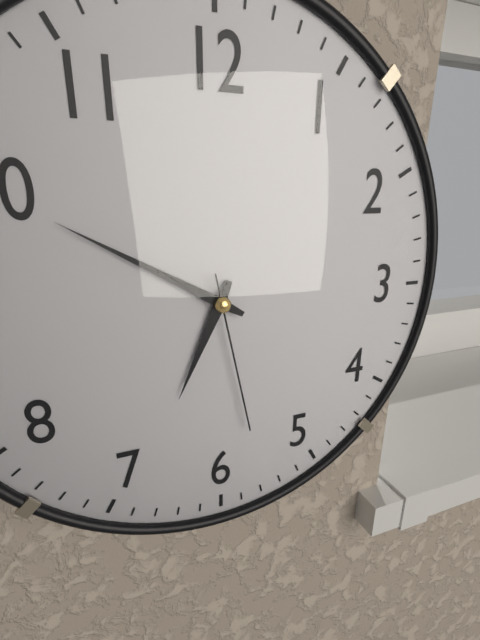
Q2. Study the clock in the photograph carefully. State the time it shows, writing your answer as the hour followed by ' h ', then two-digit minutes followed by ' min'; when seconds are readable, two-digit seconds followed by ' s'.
6 h 50 min 28 s
